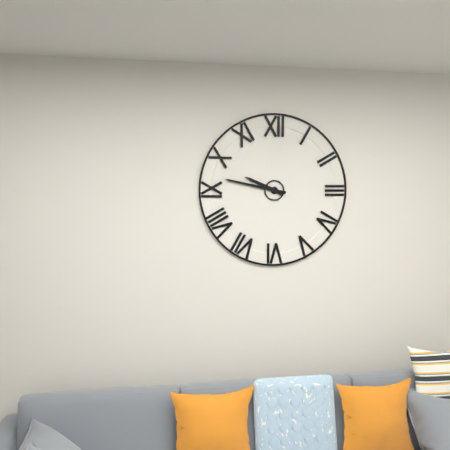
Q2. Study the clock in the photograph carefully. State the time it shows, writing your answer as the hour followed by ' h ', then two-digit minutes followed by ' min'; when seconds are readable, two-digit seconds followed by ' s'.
9 h 47 min
